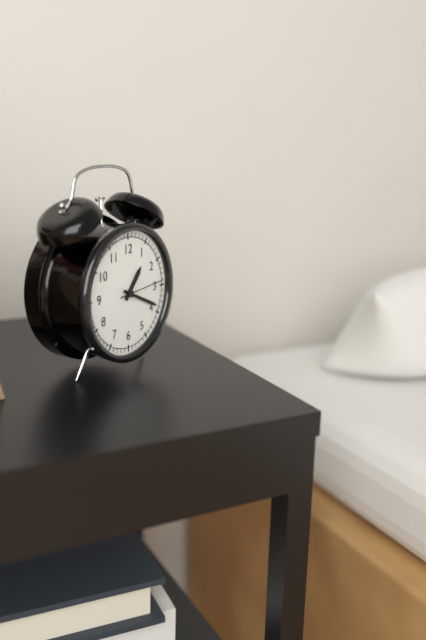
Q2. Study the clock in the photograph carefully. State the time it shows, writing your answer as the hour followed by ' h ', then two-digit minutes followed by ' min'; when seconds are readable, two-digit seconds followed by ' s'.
1 h 19 min
